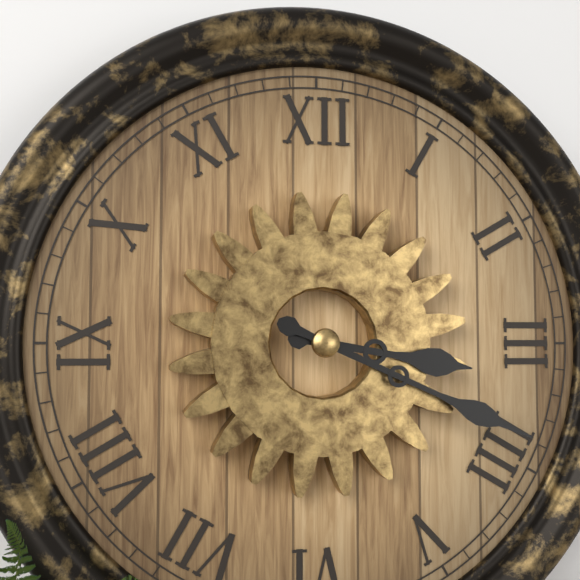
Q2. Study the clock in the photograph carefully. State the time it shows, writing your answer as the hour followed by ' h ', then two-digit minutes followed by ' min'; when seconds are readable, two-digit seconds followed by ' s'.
3 h 19 min
